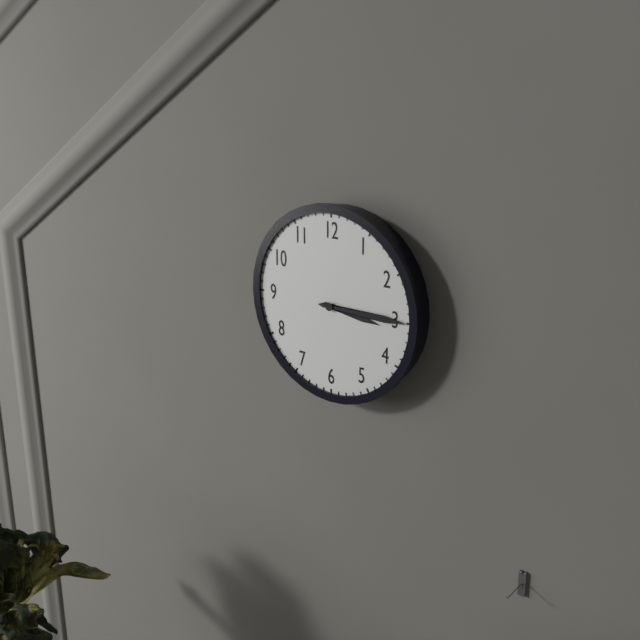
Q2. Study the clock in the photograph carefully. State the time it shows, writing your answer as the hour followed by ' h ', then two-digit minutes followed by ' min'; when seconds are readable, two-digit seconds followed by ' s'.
3 h 15 min
